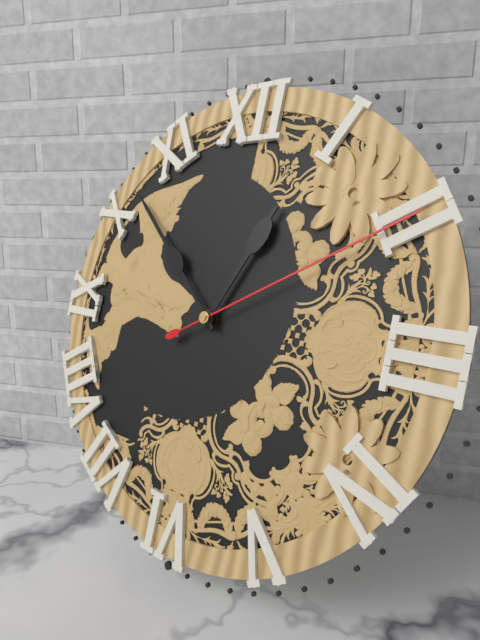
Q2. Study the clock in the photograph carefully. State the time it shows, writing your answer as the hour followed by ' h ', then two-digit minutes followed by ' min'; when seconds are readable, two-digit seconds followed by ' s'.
12 h 52 min 10 s
